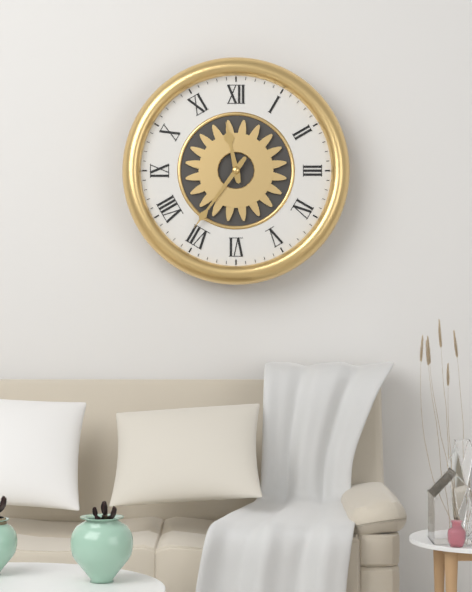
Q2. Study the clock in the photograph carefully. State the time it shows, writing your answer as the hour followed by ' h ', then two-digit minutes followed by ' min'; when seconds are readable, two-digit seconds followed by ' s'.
11 h 36 min
